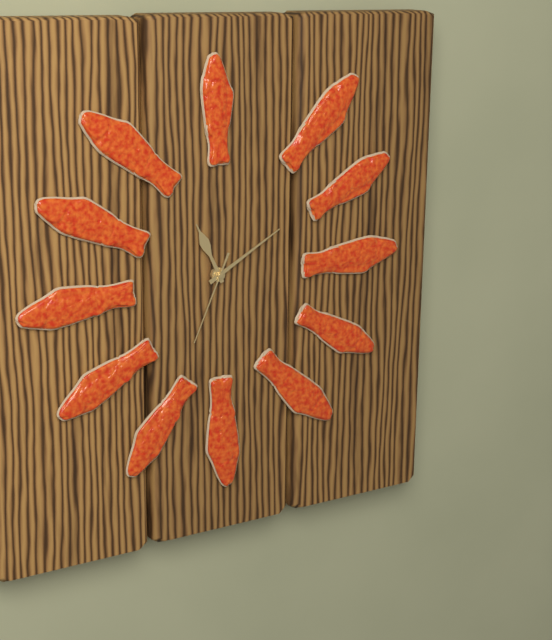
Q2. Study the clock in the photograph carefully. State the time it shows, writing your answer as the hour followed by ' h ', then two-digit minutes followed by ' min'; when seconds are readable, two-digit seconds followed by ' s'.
11 h 10 min 34 s
